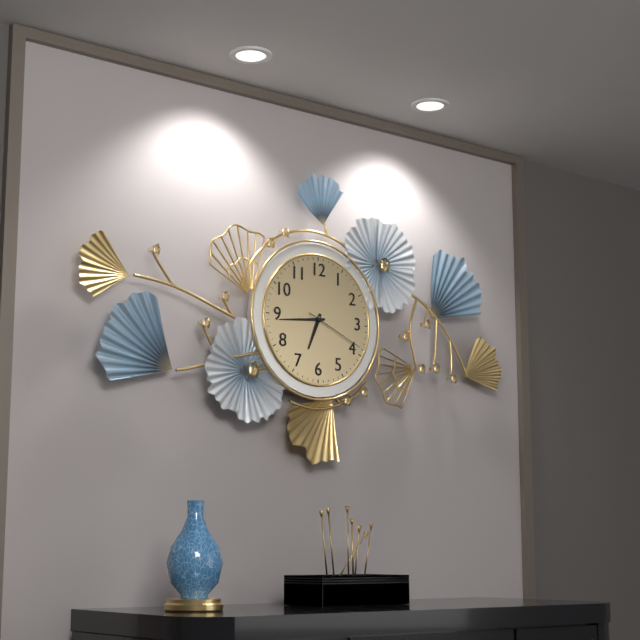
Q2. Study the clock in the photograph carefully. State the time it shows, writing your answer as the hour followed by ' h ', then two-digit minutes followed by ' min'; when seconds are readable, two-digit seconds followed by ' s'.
6 h 44 min 19 s
